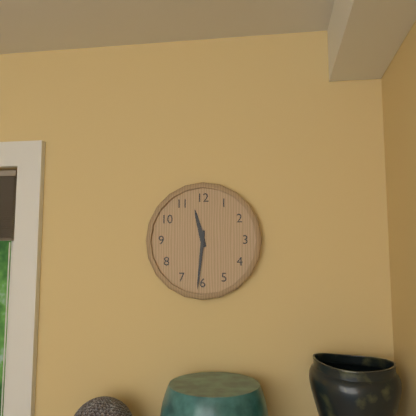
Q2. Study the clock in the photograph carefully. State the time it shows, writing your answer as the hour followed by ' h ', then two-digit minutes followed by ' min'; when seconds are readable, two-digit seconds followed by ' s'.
11 h 31 min
